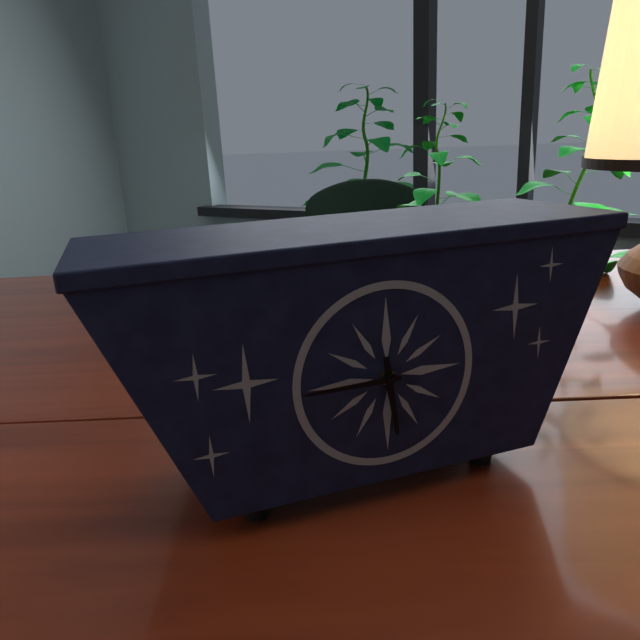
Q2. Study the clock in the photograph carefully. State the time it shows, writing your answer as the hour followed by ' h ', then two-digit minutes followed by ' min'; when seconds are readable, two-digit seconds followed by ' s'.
5 h 45 min
